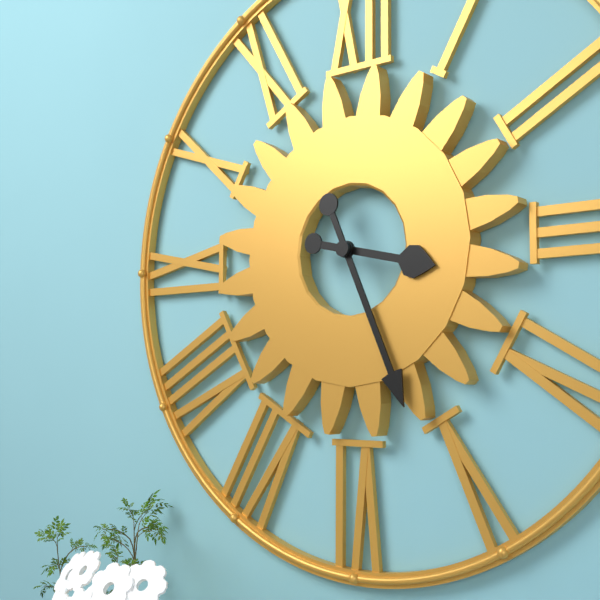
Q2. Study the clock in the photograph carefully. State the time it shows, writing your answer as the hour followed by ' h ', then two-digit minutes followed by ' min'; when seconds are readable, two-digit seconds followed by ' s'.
3 h 26 min
